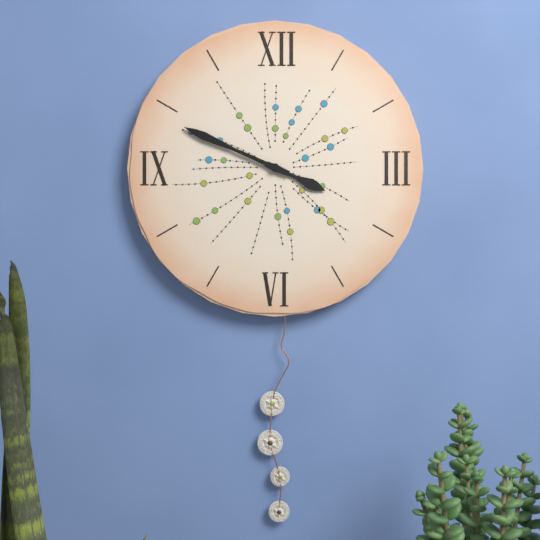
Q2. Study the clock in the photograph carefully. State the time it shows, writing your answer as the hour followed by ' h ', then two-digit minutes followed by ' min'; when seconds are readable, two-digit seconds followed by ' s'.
3 h 49 min
